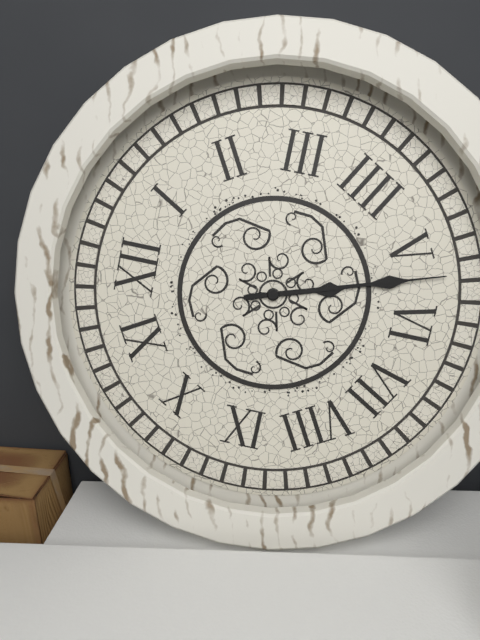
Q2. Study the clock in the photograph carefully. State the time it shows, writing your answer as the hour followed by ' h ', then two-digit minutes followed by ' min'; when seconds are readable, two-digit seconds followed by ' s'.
5 h 27 min
